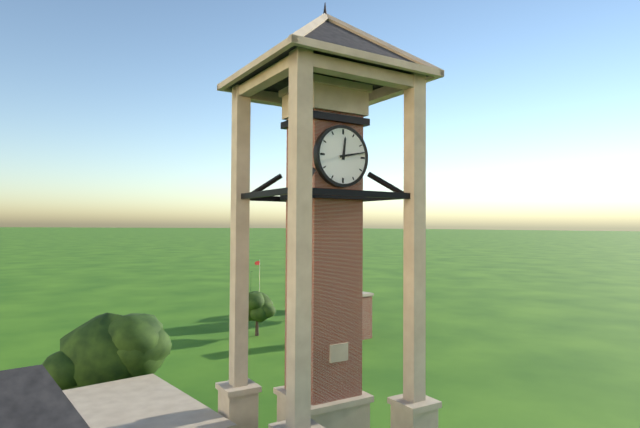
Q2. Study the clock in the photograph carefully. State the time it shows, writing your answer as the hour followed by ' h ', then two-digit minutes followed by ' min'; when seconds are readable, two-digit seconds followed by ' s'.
12 h 13 min
